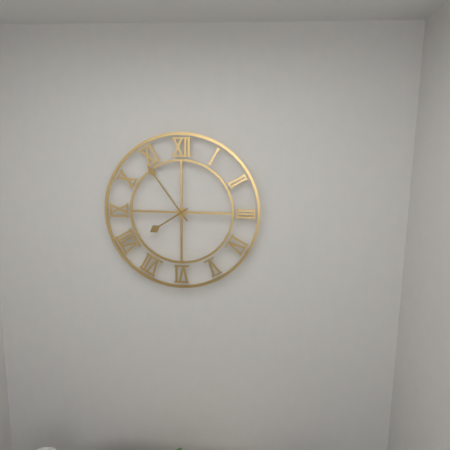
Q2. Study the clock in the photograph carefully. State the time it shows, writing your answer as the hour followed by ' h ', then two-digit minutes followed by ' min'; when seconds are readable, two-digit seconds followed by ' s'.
7 h 54 min
